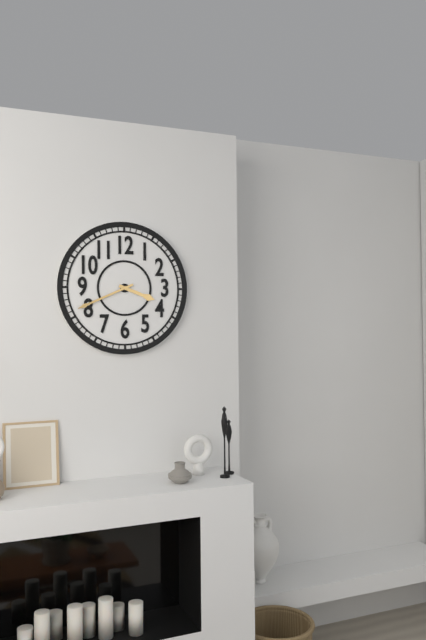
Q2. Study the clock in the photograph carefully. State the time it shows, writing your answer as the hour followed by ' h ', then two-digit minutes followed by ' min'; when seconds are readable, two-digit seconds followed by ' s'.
3 h 41 min
